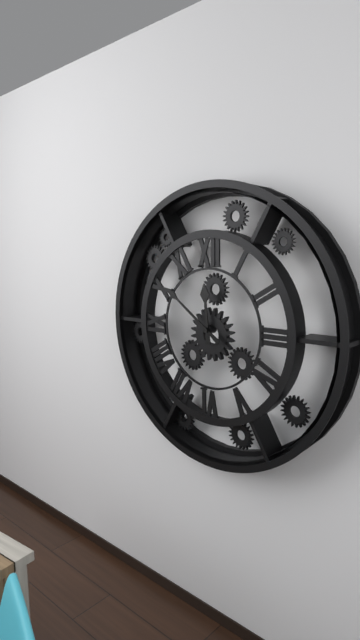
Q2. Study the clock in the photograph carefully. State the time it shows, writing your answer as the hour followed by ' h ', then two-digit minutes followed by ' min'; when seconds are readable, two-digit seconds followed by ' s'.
11 h 51 min
